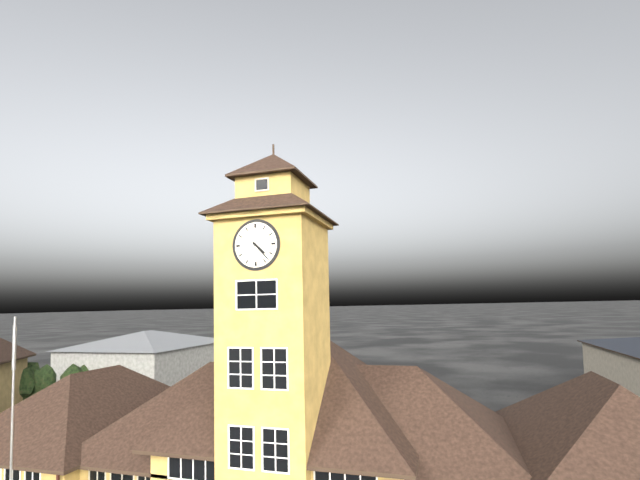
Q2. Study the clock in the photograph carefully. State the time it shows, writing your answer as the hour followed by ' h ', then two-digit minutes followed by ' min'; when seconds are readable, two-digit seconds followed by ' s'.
4 h 23 min
